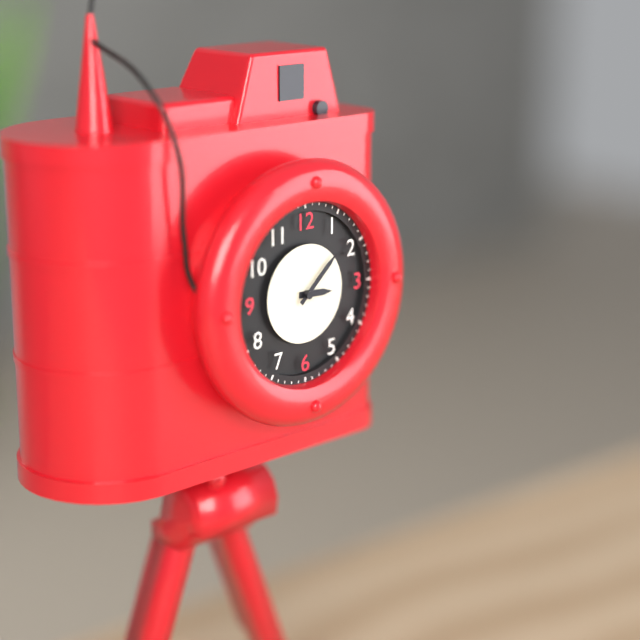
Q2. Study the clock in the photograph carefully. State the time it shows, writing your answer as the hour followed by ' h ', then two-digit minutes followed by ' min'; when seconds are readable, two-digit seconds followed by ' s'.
3 h 08 min
